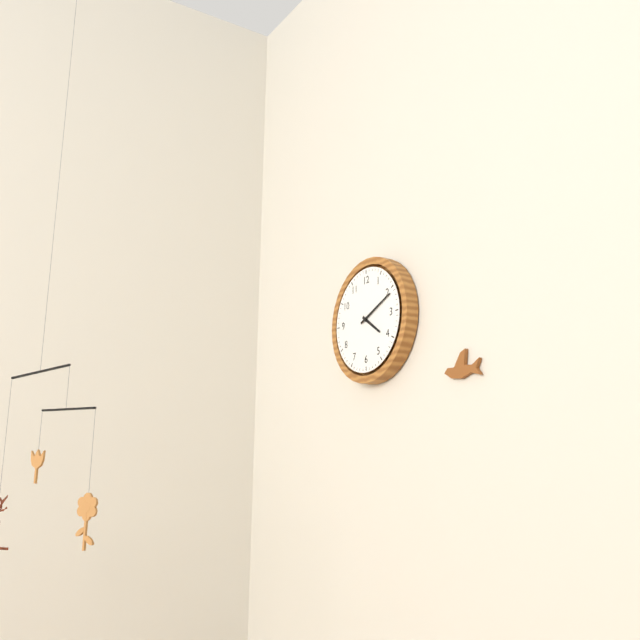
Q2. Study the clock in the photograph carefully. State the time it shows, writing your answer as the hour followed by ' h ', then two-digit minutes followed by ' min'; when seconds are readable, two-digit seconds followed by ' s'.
4 h 11 min
